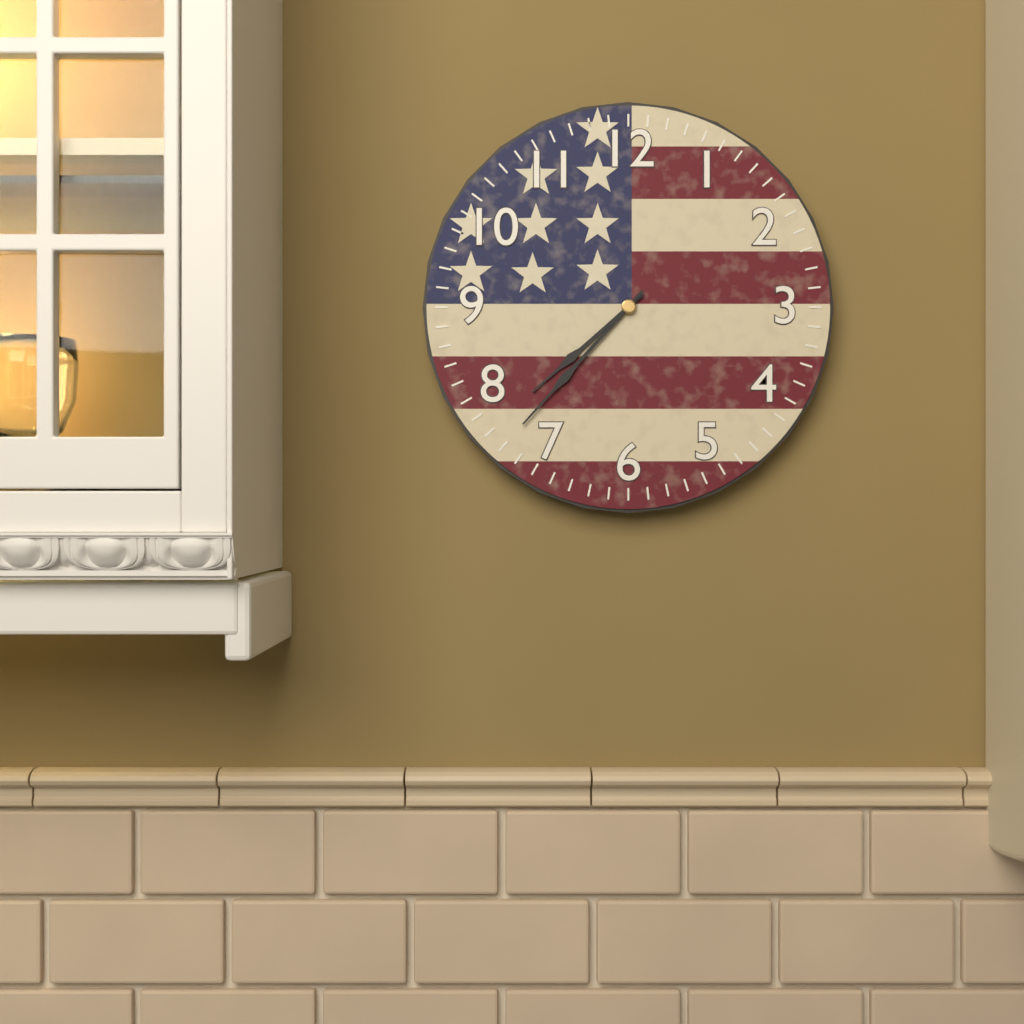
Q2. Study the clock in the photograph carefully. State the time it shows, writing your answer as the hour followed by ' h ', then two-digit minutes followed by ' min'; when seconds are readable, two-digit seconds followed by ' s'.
7 h 37 min
